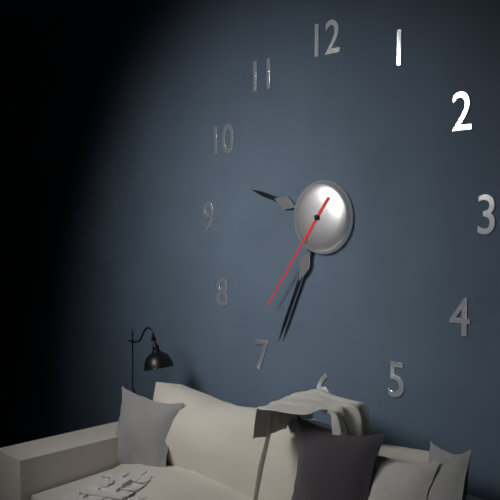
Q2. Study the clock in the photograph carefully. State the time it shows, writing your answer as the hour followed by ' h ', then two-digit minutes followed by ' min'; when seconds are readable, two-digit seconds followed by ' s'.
9 h 34 min 36 s
